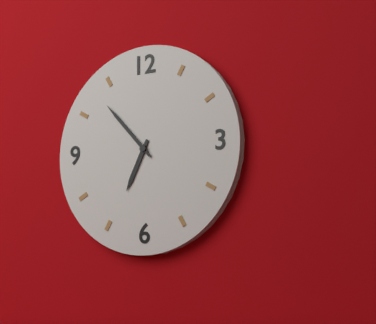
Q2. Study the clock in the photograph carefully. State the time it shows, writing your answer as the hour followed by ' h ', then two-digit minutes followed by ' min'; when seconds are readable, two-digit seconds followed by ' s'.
6 h 53 min
